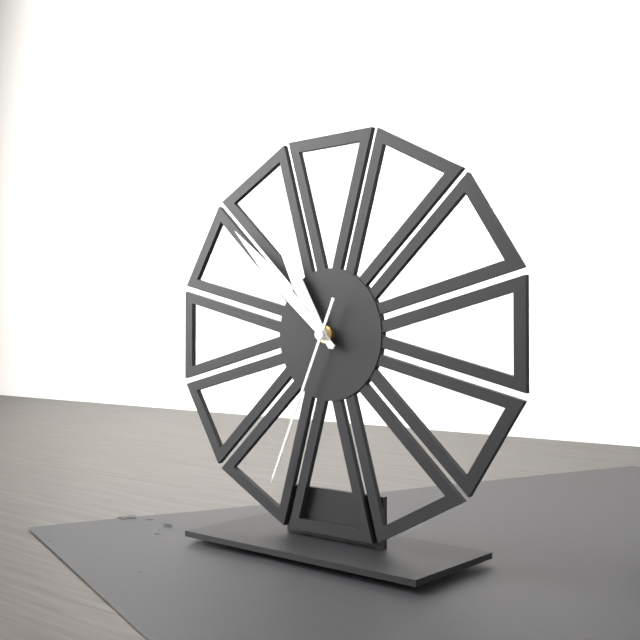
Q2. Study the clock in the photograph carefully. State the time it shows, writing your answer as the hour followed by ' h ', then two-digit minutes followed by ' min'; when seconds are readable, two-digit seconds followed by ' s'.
10 h 52 min 34 s
